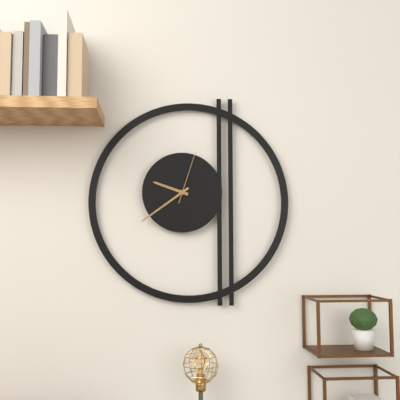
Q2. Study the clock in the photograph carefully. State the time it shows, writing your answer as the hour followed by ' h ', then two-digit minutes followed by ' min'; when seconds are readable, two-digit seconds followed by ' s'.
9 h 39 min 03 s
